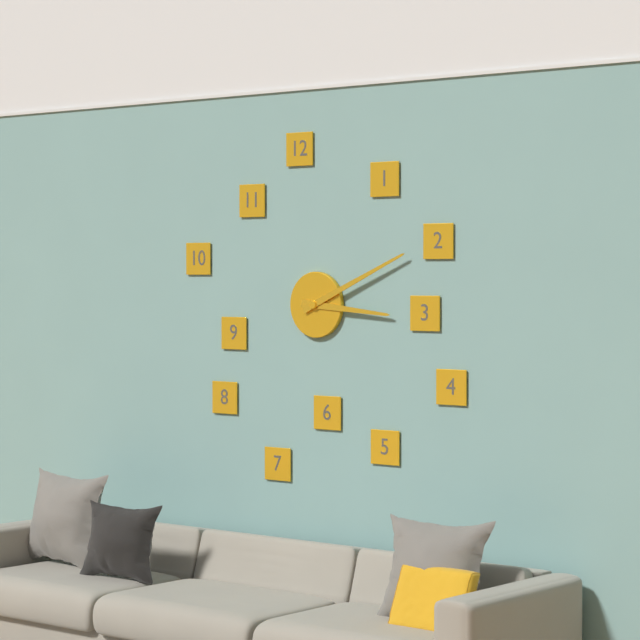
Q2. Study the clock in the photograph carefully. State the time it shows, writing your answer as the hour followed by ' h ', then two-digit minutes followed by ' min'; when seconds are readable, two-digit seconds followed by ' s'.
3 h 11 min
